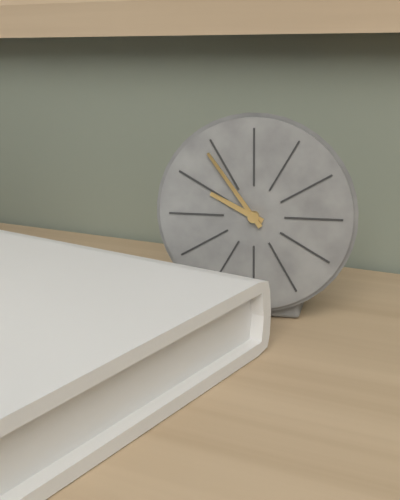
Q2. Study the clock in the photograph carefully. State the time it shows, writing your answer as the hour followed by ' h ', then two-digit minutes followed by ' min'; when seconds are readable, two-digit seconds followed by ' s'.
9 h 54 min
